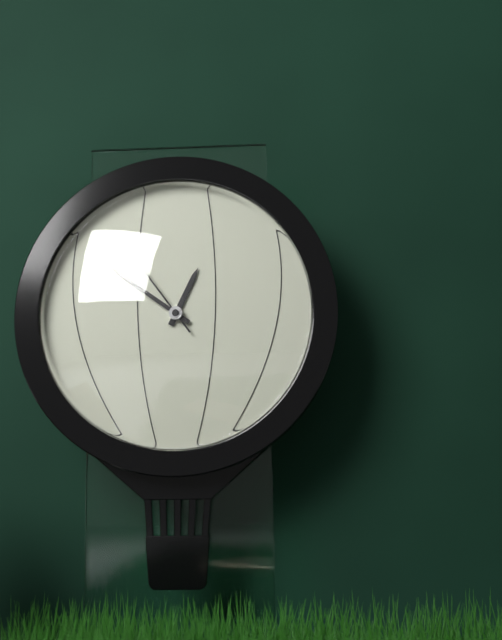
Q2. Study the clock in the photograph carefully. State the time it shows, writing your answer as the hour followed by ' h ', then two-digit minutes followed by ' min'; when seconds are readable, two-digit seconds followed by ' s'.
12 h 51 min 54 s
